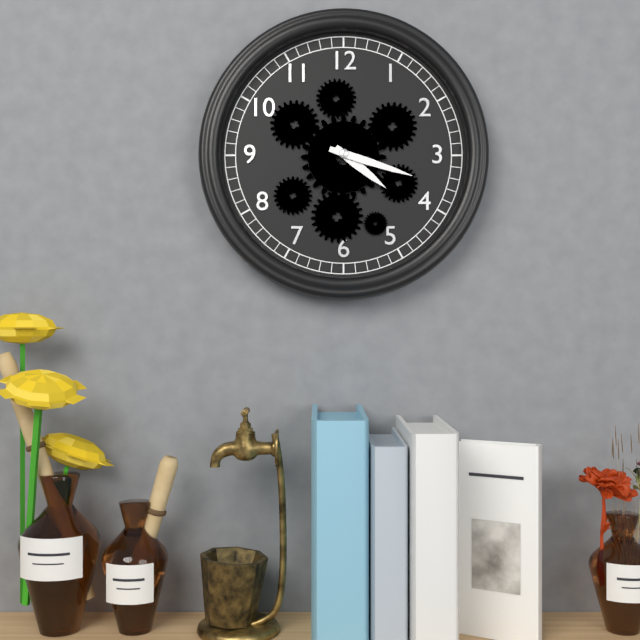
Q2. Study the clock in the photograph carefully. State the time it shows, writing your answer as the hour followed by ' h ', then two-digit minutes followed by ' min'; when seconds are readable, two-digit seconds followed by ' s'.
4 h 18 min
